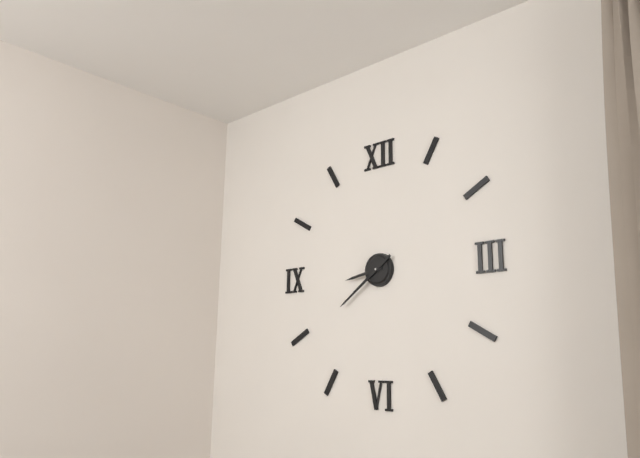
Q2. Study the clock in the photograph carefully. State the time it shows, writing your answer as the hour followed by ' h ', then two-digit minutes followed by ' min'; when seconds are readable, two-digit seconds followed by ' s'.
8 h 39 min
